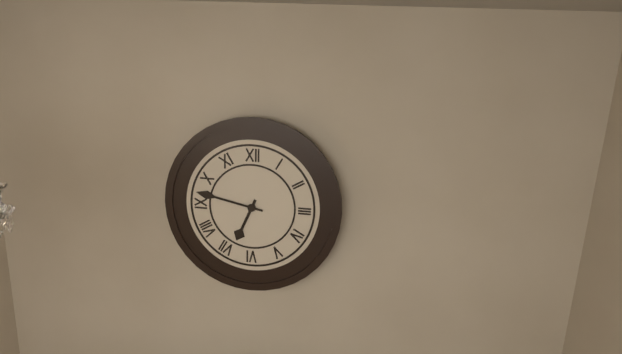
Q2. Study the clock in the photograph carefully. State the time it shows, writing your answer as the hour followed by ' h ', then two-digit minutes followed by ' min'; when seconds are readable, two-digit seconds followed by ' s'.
6 h 47 min
